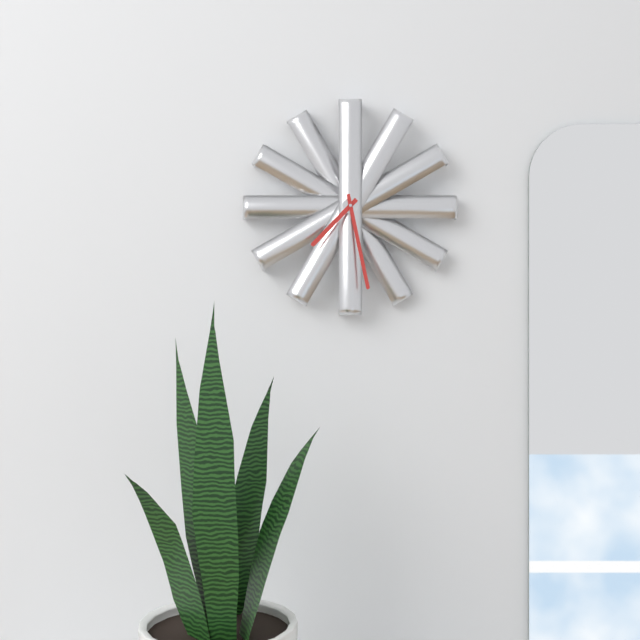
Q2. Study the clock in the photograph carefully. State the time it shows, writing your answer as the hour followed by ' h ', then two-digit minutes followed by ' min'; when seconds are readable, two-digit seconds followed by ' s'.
7 h 28 min
